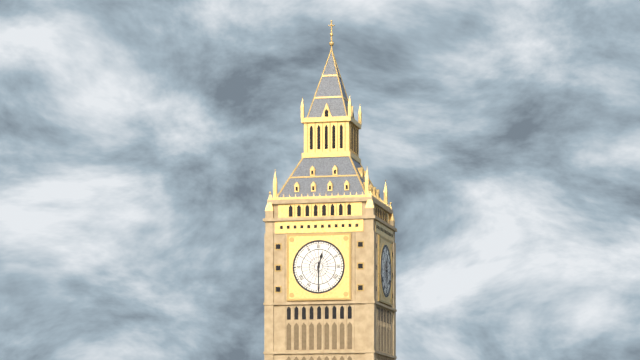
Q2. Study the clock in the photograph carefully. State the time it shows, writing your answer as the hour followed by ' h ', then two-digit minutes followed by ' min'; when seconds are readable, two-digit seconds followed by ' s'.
12 h 30 min
